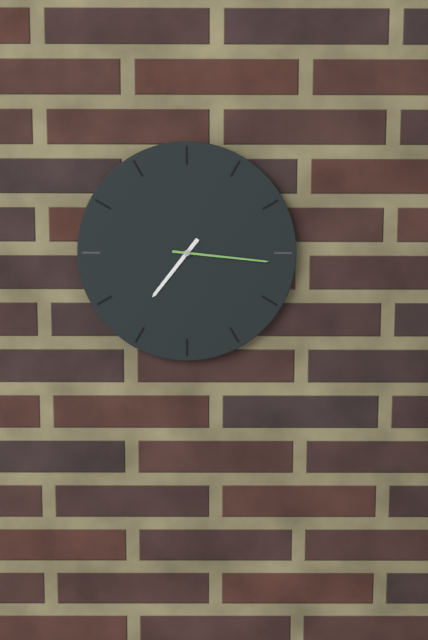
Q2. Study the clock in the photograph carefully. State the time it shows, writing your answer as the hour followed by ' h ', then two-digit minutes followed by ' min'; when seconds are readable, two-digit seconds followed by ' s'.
7 h 16 min
